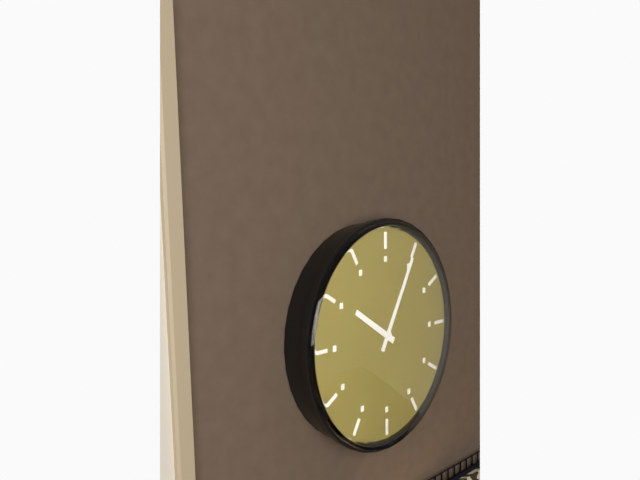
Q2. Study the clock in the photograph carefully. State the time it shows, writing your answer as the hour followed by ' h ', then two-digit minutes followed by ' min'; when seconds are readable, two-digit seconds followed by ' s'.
10 h 05 min
